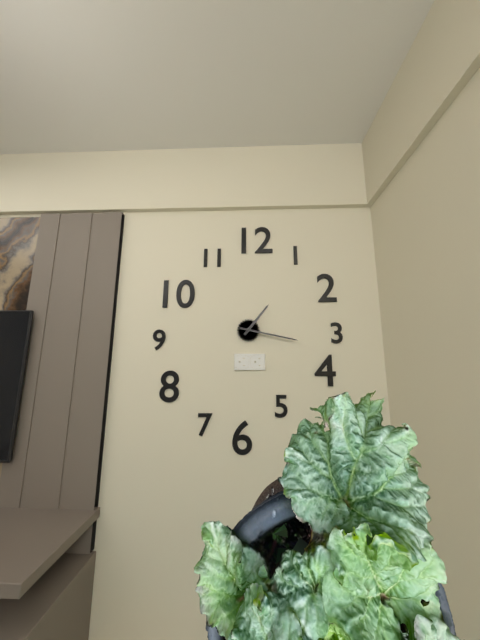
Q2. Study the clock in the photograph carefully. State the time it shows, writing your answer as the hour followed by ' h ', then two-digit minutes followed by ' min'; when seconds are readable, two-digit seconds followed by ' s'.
1 h 17 min
